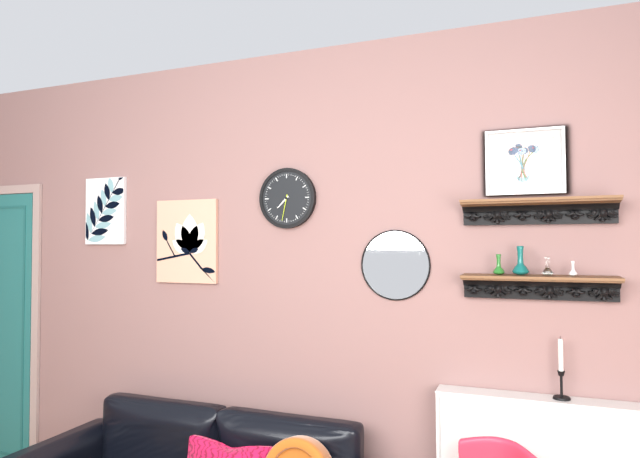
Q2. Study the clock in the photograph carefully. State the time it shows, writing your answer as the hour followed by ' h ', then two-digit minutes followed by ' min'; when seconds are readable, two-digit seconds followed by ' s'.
7 h 32 min
